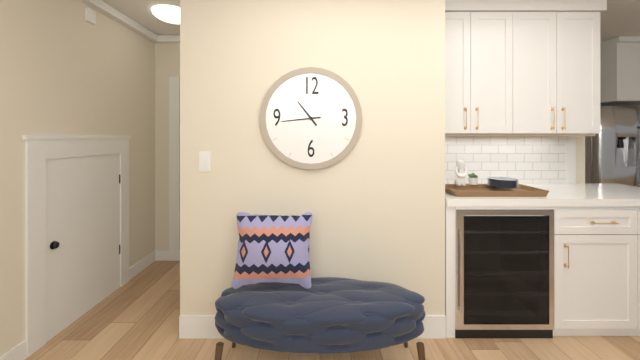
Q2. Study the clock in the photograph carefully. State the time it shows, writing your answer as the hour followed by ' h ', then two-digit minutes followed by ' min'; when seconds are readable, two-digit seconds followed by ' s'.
10 h 44 min
